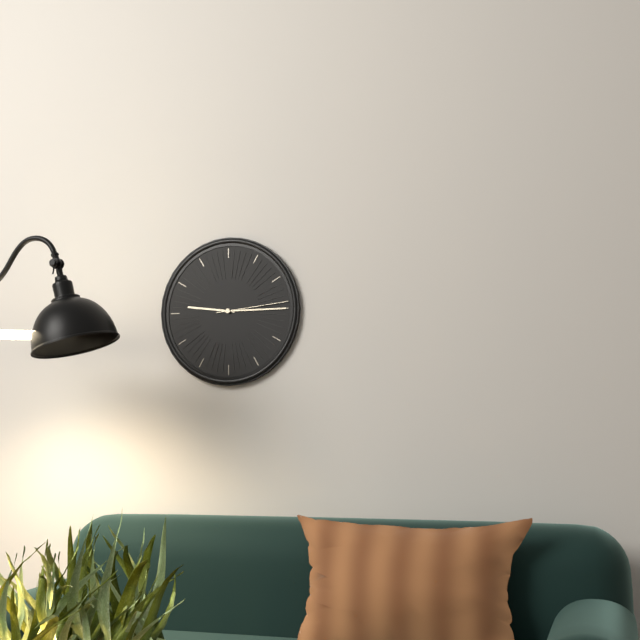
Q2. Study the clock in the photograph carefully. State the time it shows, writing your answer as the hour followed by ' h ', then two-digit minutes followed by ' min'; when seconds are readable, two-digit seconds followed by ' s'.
9 h 15 min 14 s
